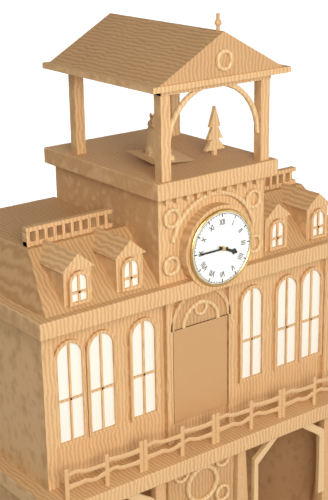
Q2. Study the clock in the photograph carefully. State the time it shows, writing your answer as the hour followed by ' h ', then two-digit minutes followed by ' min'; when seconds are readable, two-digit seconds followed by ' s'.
3 h 45 min
